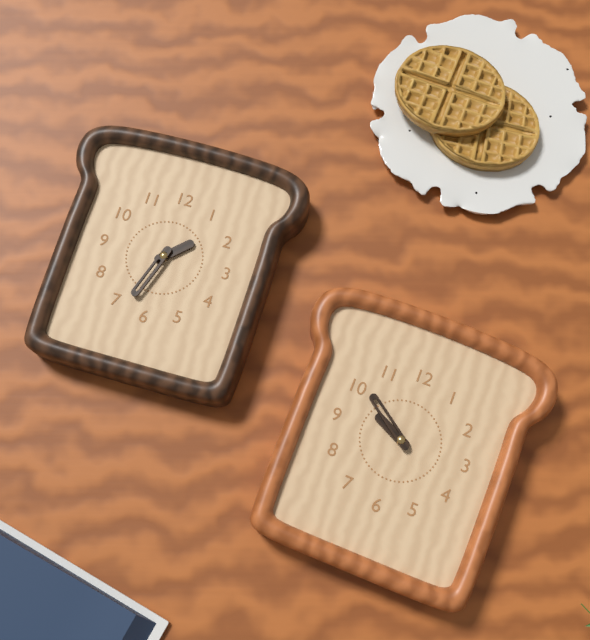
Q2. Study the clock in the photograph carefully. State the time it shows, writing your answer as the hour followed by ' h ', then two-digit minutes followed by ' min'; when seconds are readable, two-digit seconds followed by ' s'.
9 h 51 min
